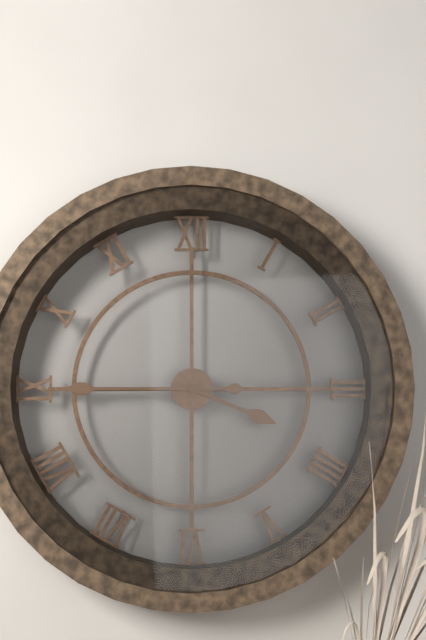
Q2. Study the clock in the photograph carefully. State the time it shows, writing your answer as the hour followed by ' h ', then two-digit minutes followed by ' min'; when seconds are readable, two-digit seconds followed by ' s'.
3 h 45 min
